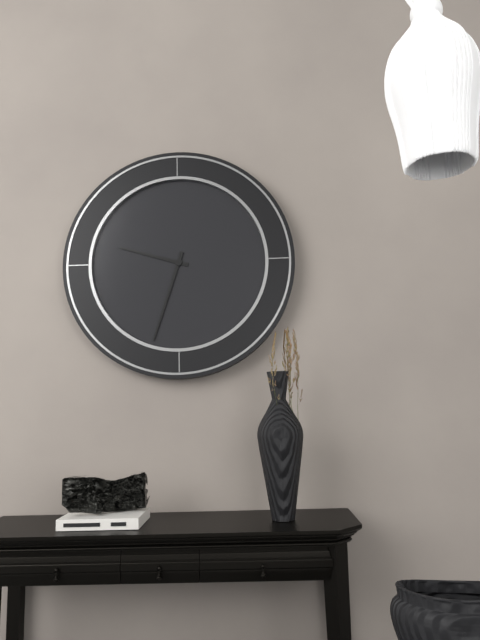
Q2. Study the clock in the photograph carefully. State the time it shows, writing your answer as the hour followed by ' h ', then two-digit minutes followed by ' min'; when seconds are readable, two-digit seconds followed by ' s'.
9 h 33 min
